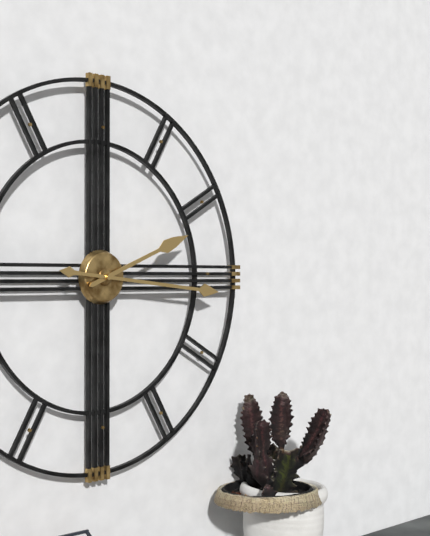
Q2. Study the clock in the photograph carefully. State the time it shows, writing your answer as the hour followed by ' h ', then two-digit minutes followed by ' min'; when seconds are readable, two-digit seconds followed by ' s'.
2 h 16 min
